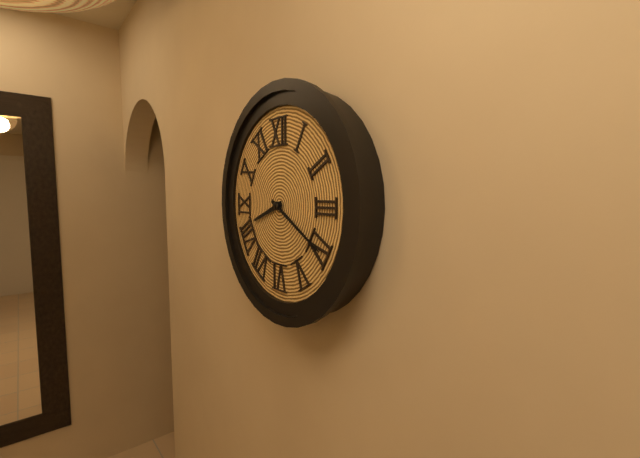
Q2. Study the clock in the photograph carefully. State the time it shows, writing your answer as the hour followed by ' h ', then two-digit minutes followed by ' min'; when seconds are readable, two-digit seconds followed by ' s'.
8 h 20 min
